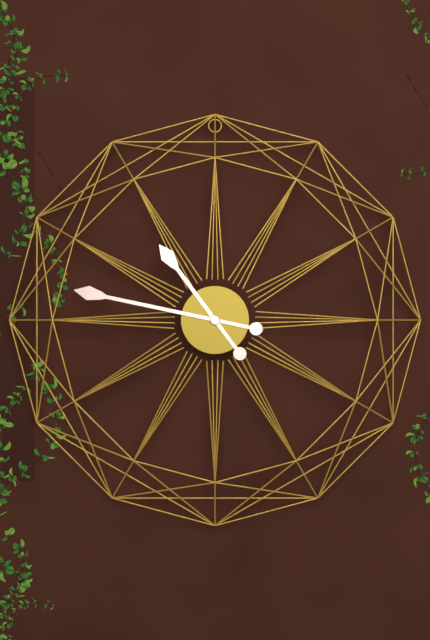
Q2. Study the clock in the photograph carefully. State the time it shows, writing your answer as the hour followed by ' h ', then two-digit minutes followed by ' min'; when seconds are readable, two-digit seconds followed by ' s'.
10 h 47 min
